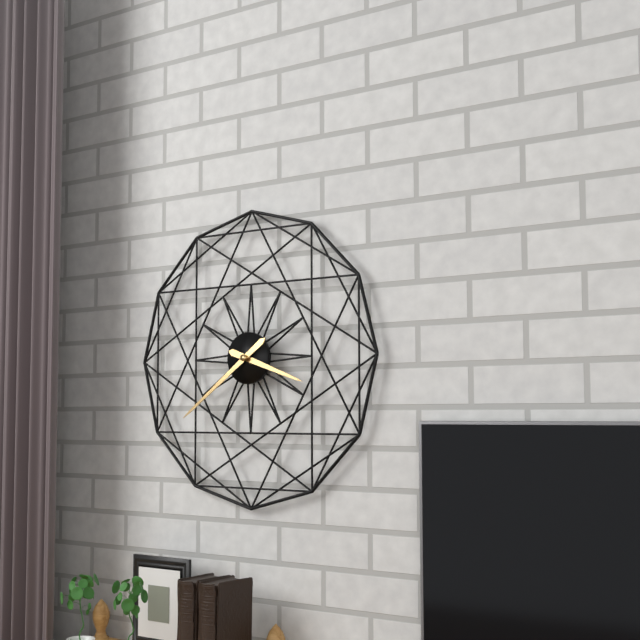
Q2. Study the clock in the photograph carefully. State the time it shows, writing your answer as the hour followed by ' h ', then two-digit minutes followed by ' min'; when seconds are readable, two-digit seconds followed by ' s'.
3 h 39 min
